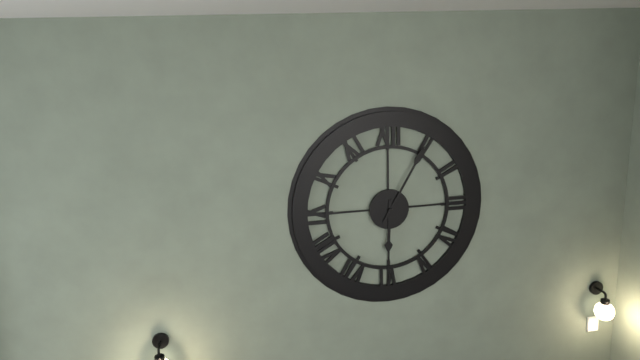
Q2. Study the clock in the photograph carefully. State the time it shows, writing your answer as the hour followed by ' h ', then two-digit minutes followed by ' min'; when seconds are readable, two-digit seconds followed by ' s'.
6 h 05 min
